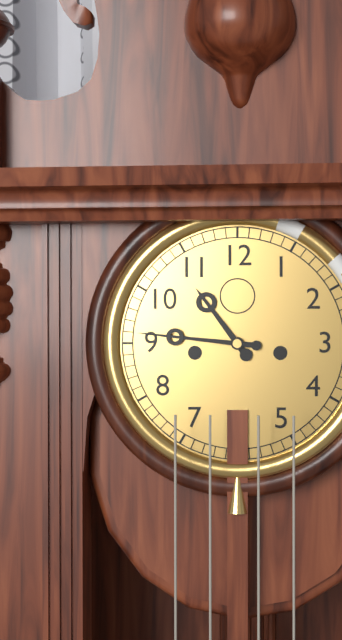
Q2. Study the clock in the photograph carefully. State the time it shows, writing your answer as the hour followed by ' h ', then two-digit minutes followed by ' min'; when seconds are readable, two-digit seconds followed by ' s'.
10 h 46 min
